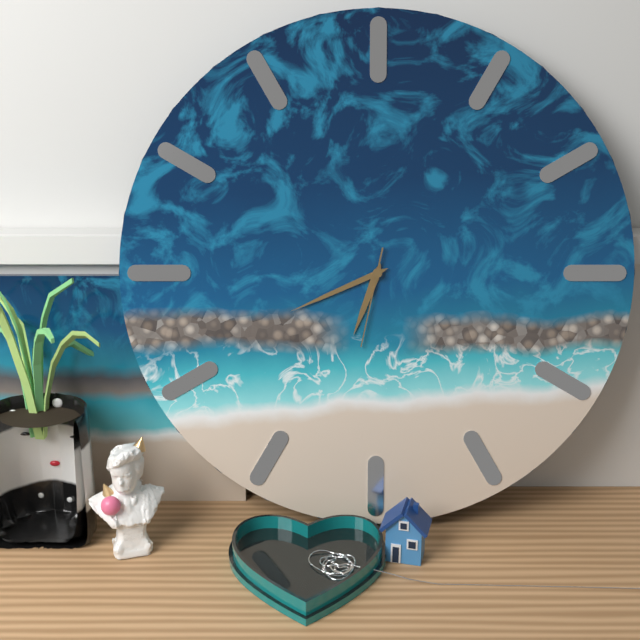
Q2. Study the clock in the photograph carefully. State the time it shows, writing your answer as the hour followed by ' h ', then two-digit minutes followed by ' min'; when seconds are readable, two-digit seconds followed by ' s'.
6 h 41 min 32 s
